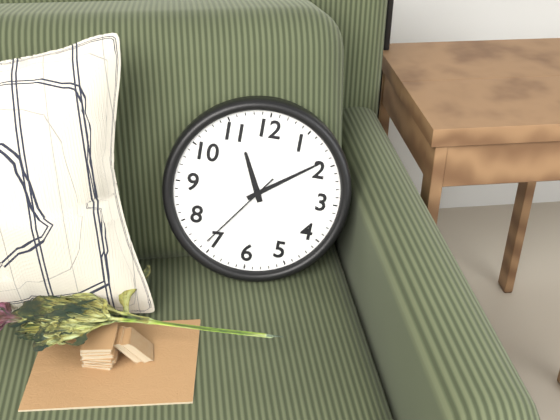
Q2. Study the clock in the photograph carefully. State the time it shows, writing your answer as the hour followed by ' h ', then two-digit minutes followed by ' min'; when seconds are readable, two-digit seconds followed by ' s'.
11 h 09 min 36 s
